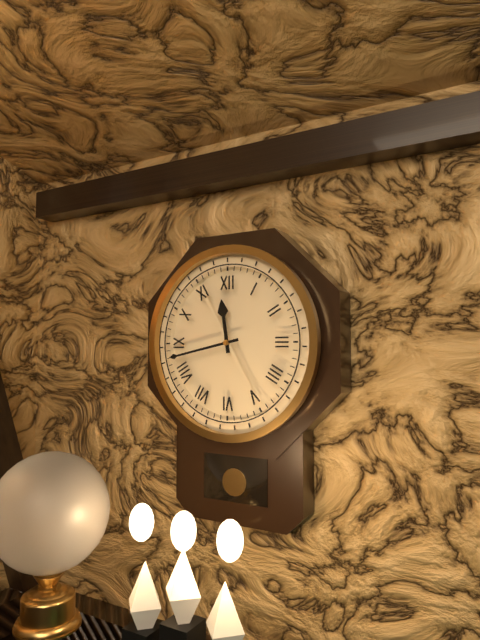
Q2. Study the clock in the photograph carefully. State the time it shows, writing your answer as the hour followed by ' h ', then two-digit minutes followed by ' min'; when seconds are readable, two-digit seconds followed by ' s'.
11 h 43 min
